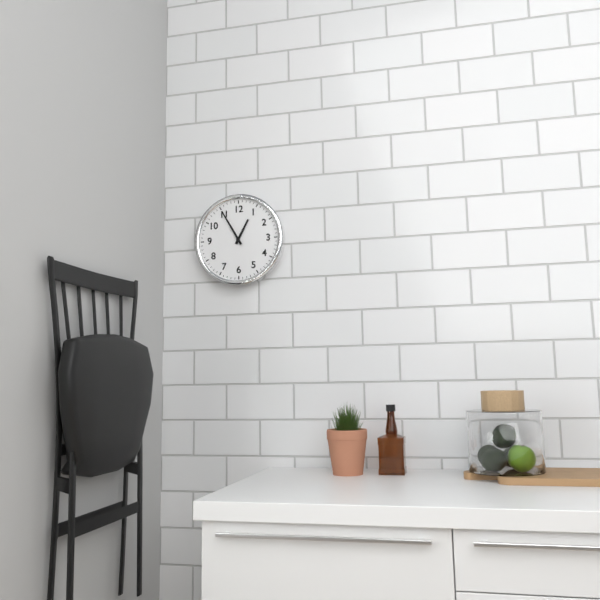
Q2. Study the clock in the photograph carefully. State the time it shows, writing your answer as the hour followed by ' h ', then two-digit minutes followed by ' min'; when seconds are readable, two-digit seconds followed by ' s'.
12 h 55 min
